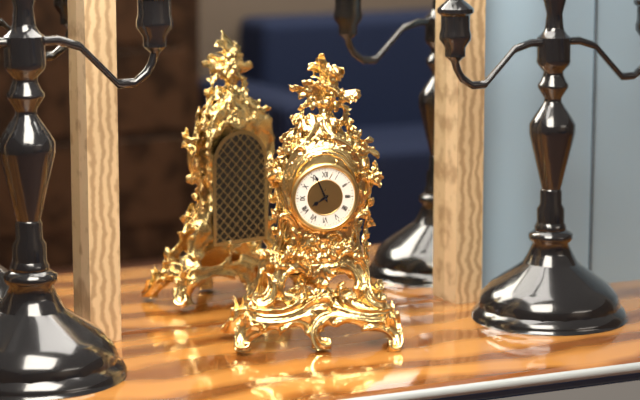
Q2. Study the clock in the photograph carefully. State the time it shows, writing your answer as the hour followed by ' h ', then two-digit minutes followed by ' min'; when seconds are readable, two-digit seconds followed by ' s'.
7 h 56 min
